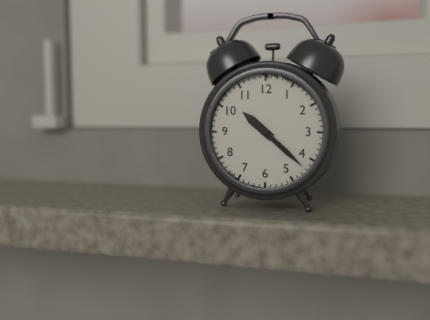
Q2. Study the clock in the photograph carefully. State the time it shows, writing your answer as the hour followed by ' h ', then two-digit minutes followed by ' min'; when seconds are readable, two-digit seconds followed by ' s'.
10 h 22 min
